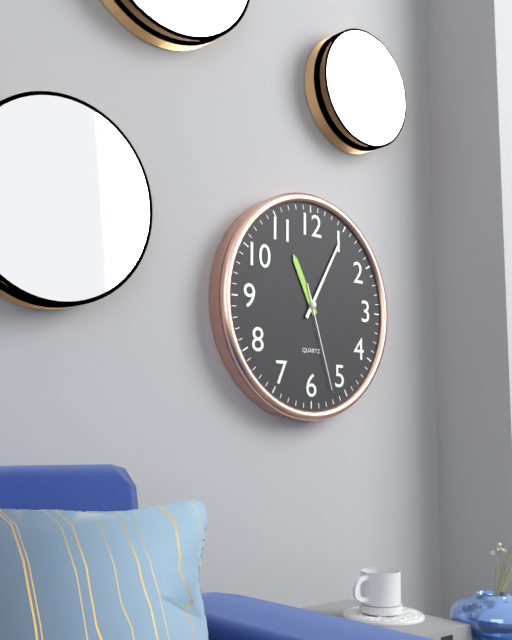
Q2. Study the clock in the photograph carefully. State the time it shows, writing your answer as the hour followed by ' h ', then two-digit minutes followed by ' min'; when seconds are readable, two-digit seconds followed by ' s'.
11 h 05 min 27 s
